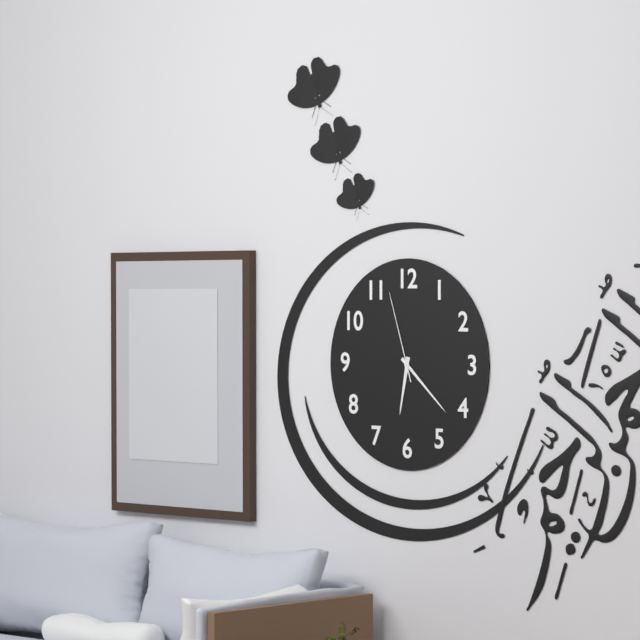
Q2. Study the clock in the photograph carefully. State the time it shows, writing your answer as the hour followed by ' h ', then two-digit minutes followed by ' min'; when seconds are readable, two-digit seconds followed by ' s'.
6 h 22 min 57 s
